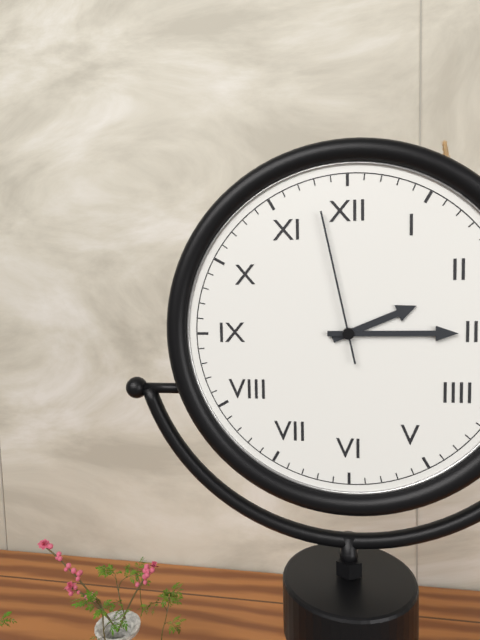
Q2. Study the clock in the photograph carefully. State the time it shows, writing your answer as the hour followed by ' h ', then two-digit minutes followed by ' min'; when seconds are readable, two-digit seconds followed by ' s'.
2 h 15 min 58 s
